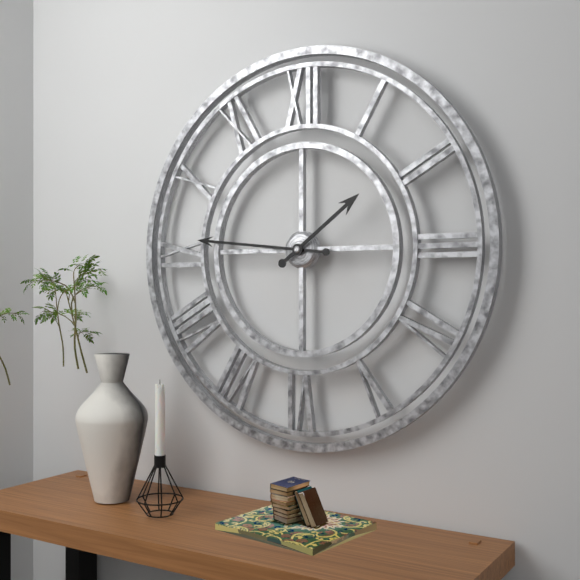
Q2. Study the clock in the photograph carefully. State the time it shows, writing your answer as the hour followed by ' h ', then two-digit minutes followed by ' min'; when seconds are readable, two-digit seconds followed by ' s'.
1 h 46 min
